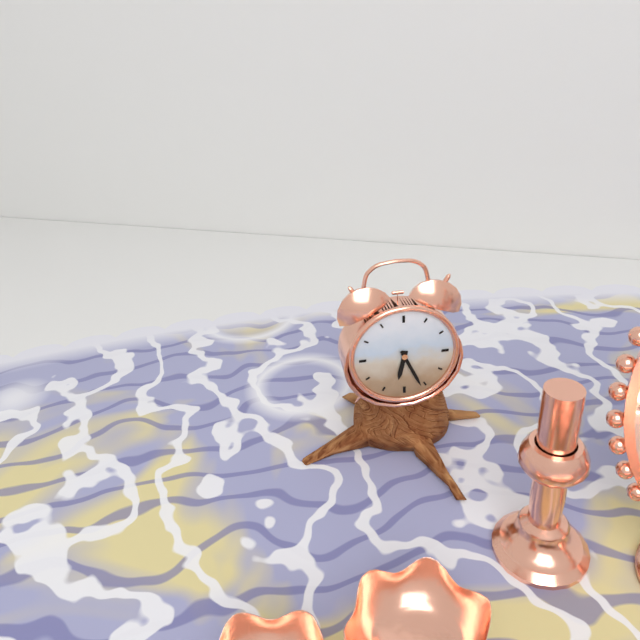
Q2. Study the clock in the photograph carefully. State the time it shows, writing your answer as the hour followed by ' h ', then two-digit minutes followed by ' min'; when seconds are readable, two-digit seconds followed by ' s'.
6 h 26 min
